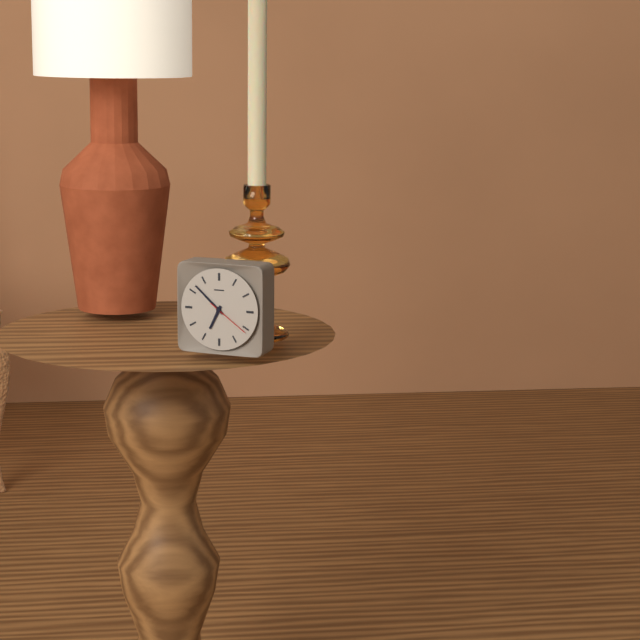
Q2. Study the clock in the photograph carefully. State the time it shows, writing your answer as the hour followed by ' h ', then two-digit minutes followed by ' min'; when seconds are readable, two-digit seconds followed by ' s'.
6 h 52 min
